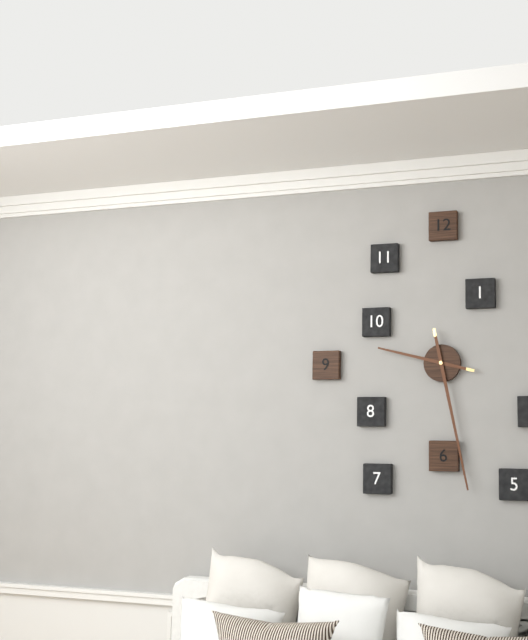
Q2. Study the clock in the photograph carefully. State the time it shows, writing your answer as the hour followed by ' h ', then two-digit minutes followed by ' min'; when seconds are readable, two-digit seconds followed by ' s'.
9 h 28 min
